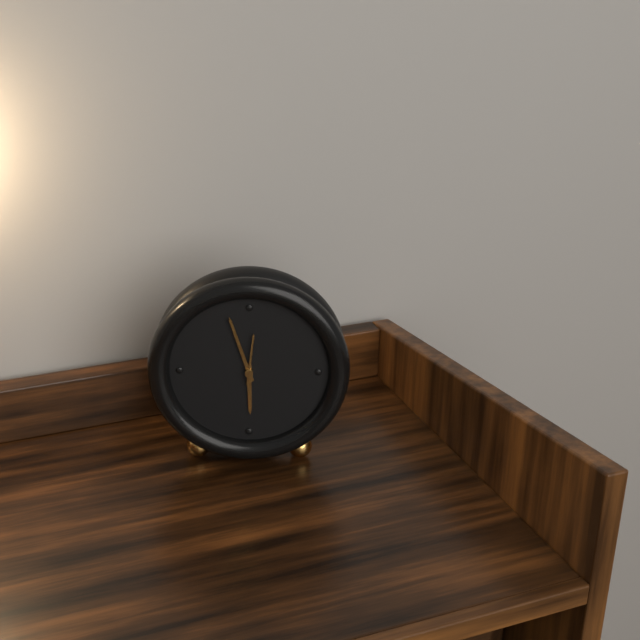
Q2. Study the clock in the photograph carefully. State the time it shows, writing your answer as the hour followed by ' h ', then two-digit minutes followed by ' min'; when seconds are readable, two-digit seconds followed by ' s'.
5 h 57 min 01 s
